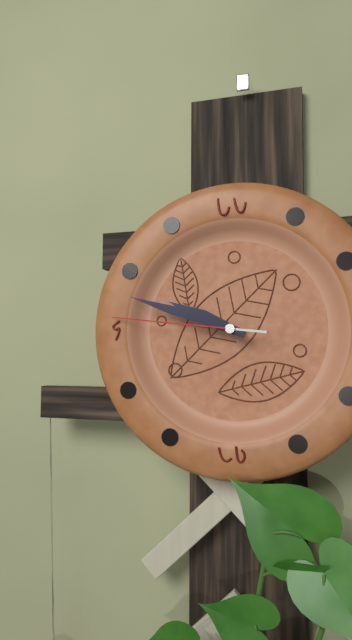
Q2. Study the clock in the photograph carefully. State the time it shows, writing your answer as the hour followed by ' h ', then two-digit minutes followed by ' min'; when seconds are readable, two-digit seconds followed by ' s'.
9 h 48 min 46 s
